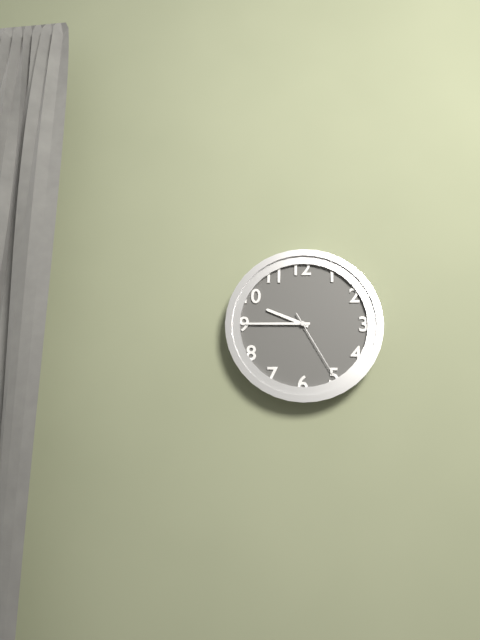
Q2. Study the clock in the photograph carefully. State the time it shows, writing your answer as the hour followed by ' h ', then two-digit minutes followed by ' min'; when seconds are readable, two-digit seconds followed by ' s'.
9 h 45 min 25 s
